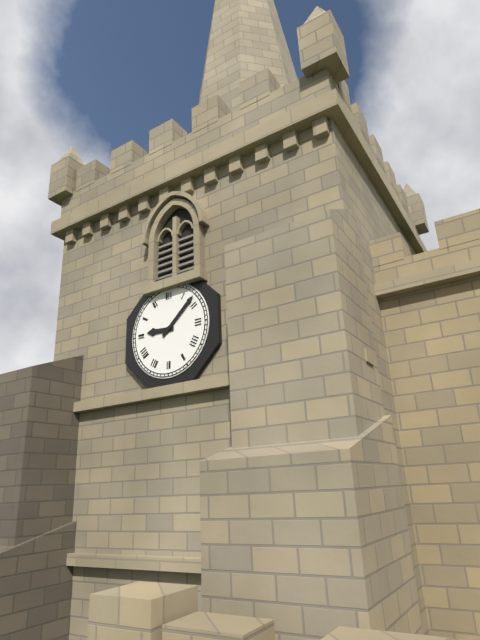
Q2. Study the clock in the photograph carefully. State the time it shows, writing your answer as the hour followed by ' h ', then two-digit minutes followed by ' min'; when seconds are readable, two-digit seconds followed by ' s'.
9 h 08 min
